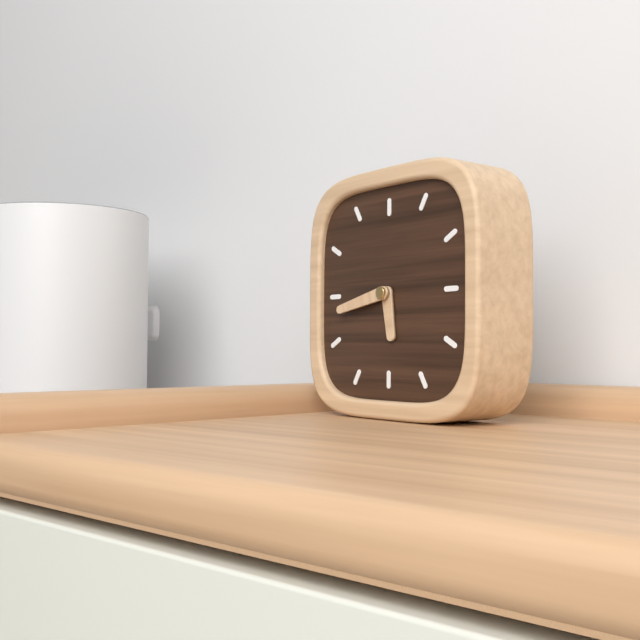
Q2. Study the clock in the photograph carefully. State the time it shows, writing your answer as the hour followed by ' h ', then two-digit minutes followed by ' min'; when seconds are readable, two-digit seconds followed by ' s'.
5 h 43 min
